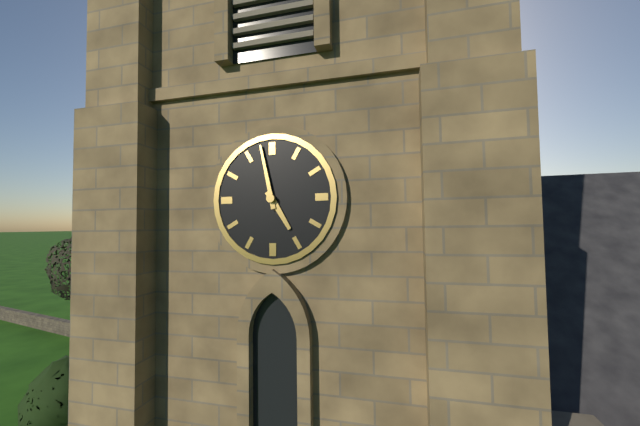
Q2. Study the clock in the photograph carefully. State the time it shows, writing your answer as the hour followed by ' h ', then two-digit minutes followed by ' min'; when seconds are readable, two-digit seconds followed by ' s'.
4 h 58 min
